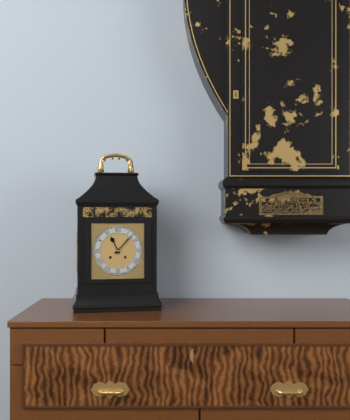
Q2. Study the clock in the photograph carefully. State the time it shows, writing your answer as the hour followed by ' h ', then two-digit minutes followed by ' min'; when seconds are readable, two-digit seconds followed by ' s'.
11 h 07 min
